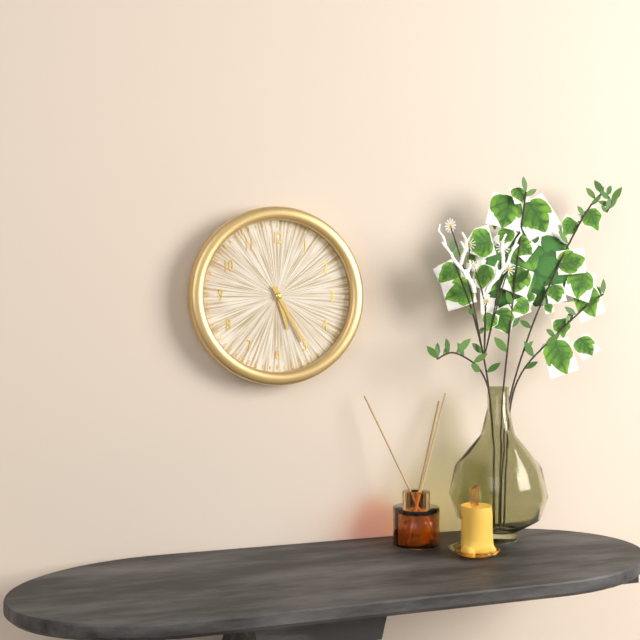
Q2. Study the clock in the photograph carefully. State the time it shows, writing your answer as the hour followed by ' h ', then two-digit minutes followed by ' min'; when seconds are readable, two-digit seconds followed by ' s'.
5 h 25 min
